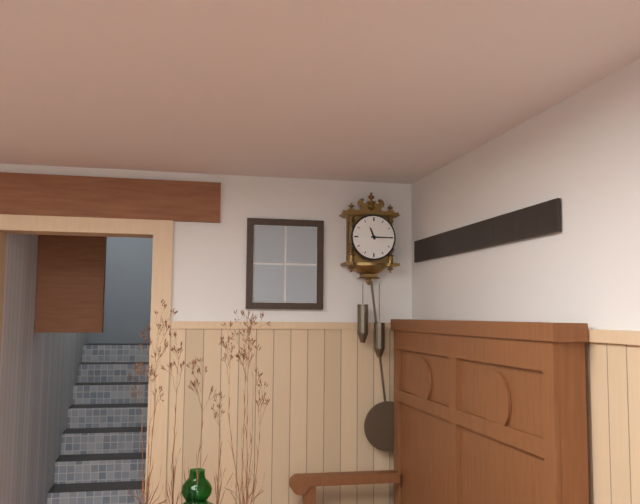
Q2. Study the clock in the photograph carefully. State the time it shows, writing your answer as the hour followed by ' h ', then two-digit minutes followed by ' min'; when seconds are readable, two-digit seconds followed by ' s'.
11 h 15 min
